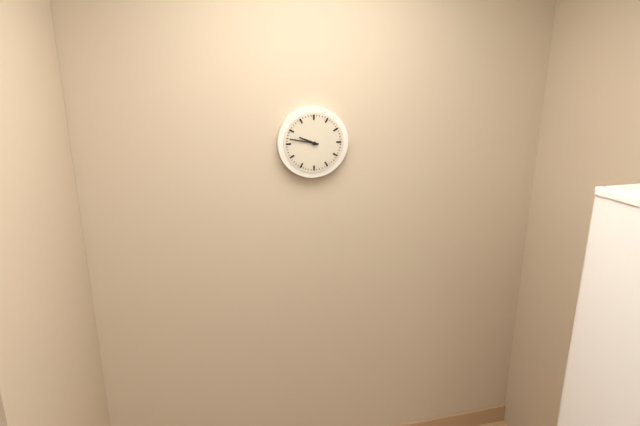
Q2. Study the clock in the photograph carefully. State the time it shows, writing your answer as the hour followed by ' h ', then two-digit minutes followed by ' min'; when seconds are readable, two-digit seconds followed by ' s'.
9 h 47 min
